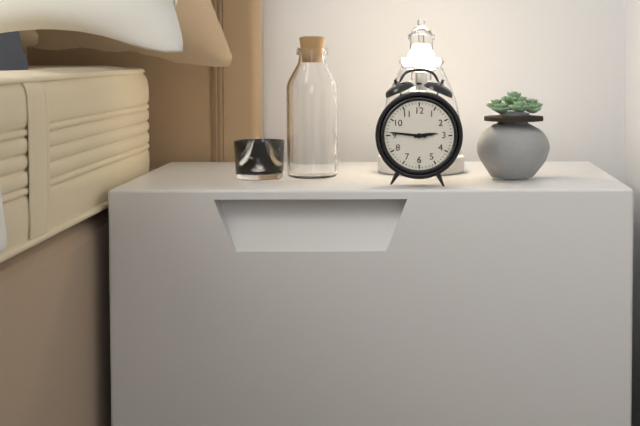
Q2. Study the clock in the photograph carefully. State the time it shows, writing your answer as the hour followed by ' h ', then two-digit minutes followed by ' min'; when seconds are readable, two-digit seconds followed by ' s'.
2 h 46 min
